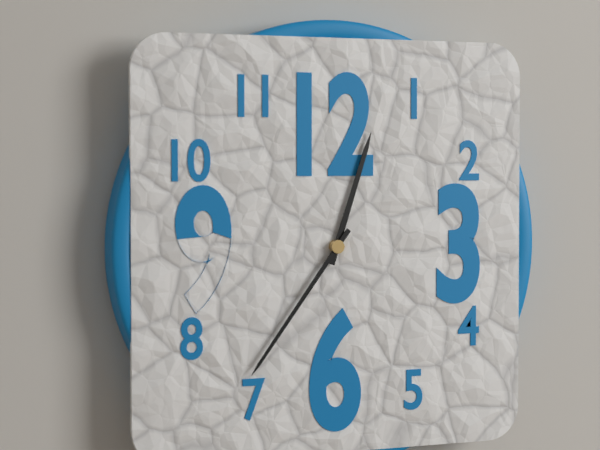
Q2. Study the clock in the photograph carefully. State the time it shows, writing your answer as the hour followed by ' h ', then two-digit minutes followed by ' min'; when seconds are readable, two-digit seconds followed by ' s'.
12 h 36 min
